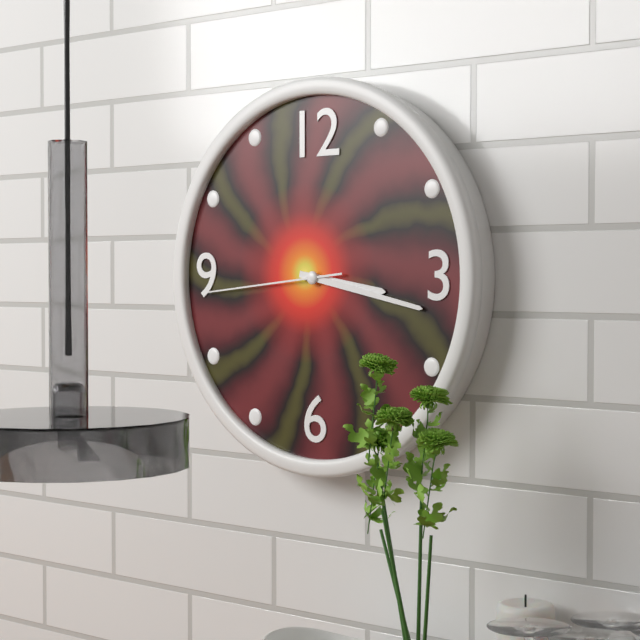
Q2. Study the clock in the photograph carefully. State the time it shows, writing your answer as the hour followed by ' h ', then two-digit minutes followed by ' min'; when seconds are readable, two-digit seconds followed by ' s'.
3 h 17 min 44 s
